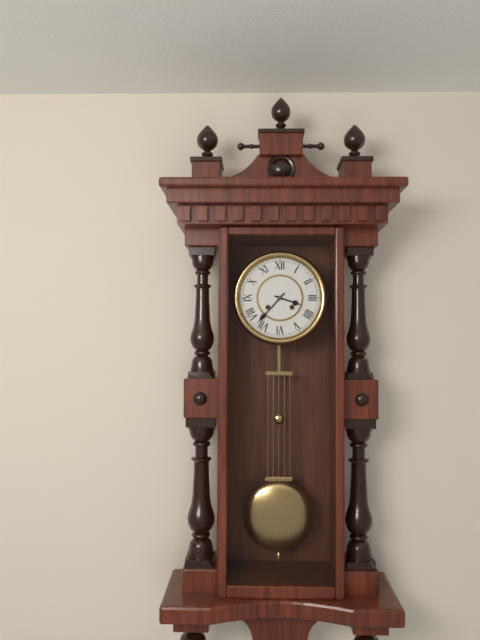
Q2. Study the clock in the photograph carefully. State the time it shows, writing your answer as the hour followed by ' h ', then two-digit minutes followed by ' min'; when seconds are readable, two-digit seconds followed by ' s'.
3 h 37 min
